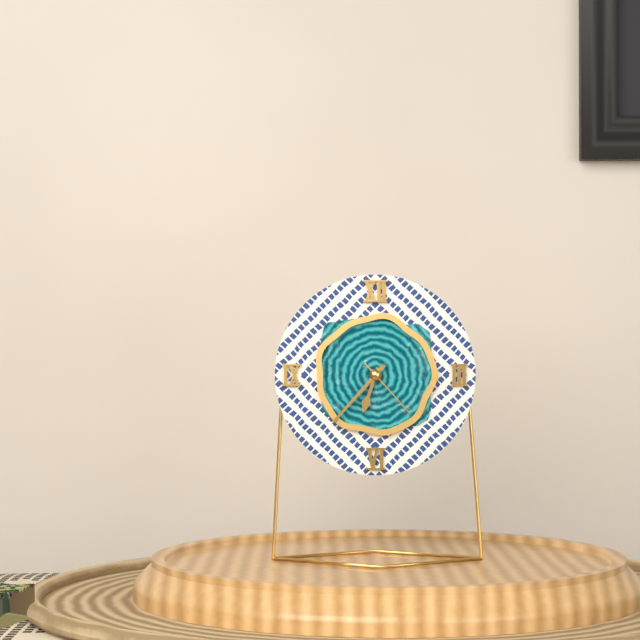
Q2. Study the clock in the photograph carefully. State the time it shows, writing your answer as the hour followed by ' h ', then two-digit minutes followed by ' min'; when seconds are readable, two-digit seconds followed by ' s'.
6 h 37 min 23 s
